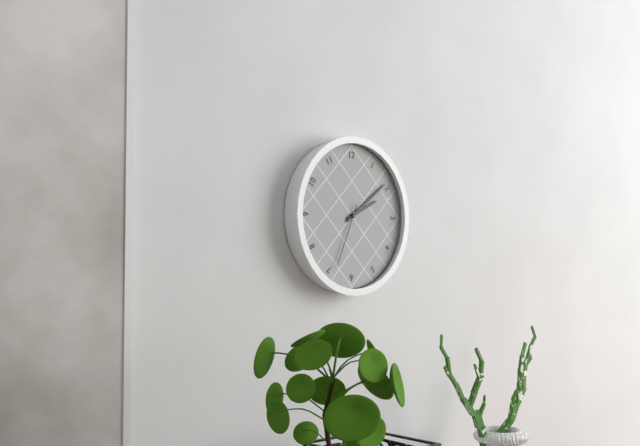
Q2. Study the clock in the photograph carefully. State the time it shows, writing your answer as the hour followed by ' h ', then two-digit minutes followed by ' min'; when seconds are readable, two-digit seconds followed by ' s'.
2 h 09 min 34 s
